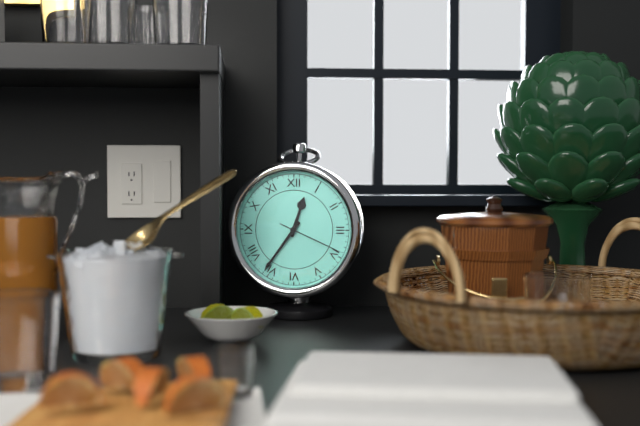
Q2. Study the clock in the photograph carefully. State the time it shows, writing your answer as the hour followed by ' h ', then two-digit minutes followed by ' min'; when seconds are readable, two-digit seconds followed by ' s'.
12 h 36 min 19 s
